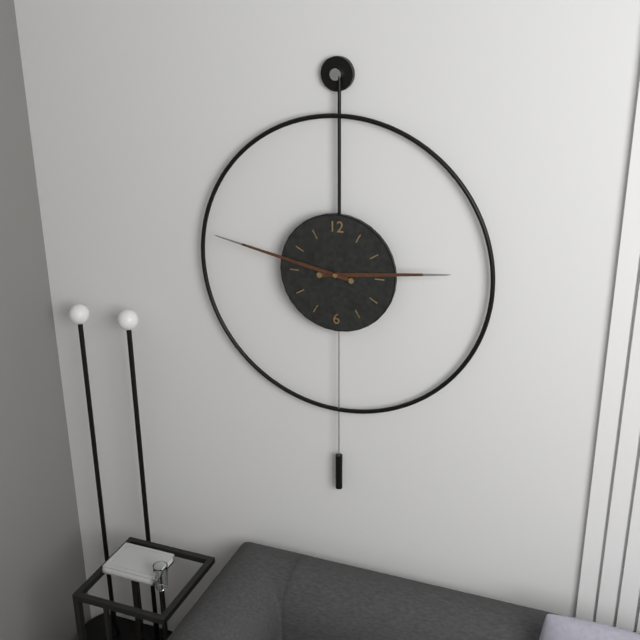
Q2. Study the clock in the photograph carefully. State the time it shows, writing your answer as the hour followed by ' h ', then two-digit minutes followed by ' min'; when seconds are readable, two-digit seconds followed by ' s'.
2 h 47 min
